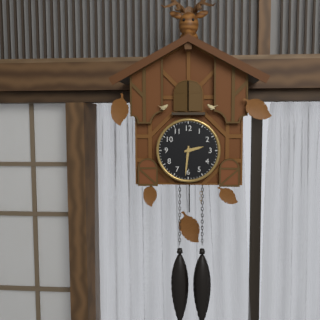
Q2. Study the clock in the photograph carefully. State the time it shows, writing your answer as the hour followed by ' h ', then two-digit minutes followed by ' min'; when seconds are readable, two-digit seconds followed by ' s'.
2 h 31 min
